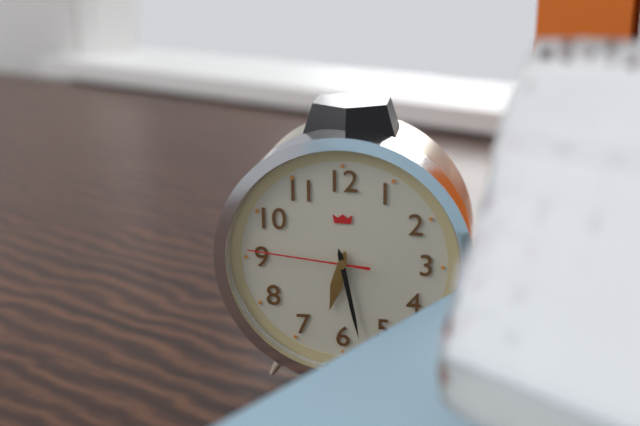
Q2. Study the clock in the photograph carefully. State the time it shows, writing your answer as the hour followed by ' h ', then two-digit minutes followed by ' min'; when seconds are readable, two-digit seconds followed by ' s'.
6 h 28 min 46 s
